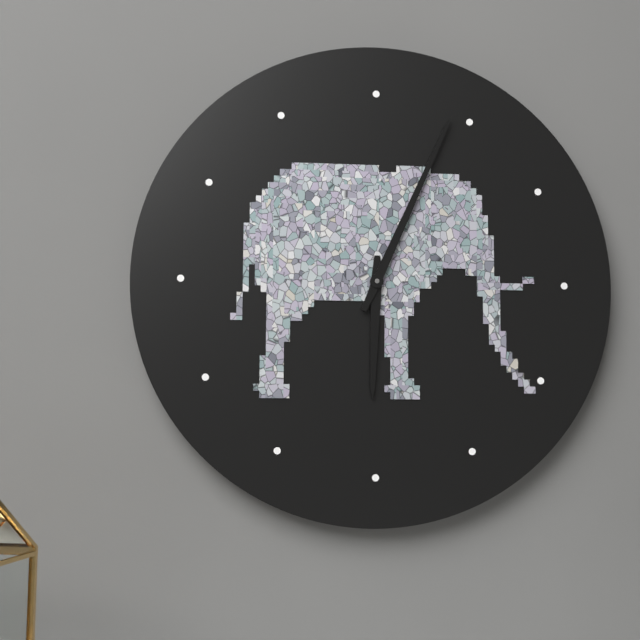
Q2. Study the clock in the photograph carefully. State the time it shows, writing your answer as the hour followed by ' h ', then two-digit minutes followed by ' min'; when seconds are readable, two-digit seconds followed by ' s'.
6 h 04 min
